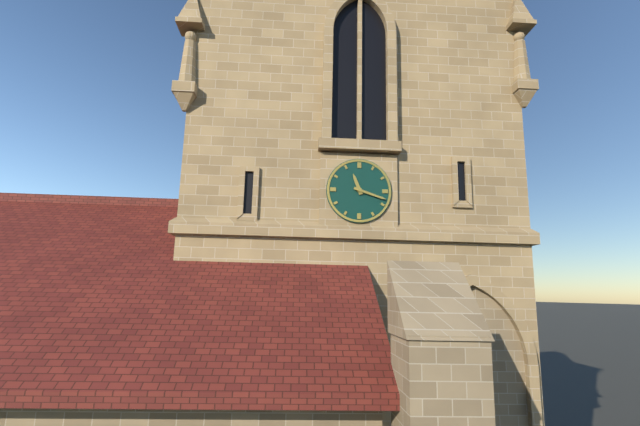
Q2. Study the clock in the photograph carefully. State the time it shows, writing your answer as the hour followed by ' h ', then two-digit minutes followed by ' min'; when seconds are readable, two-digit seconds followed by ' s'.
11 h 18 min
